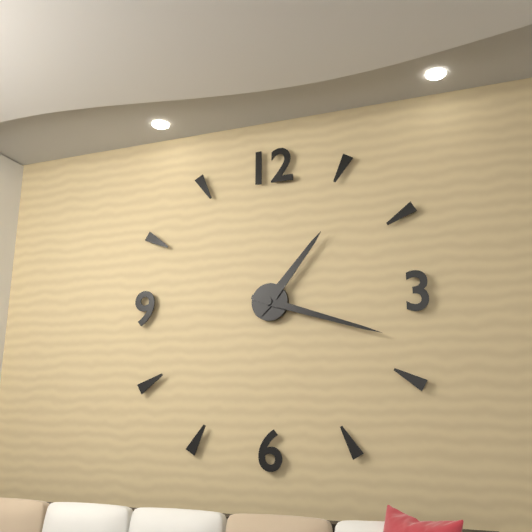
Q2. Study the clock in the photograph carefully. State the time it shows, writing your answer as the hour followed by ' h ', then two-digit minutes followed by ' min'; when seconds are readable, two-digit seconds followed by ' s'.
1 h 18 min
